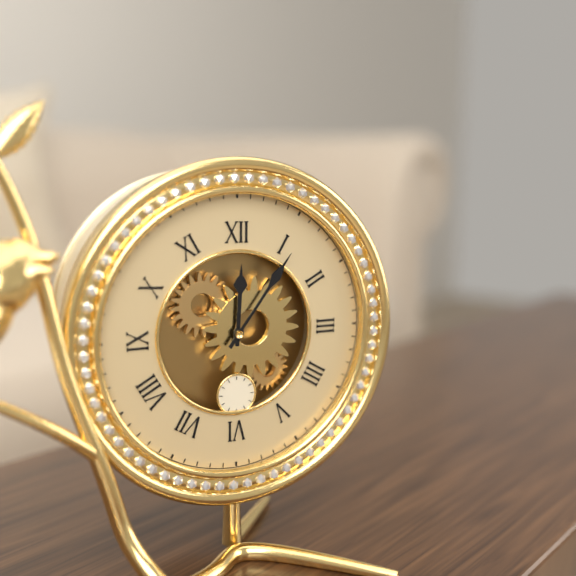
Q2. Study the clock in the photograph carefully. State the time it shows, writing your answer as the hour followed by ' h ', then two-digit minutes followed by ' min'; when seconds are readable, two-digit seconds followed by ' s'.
12 h 06 min
